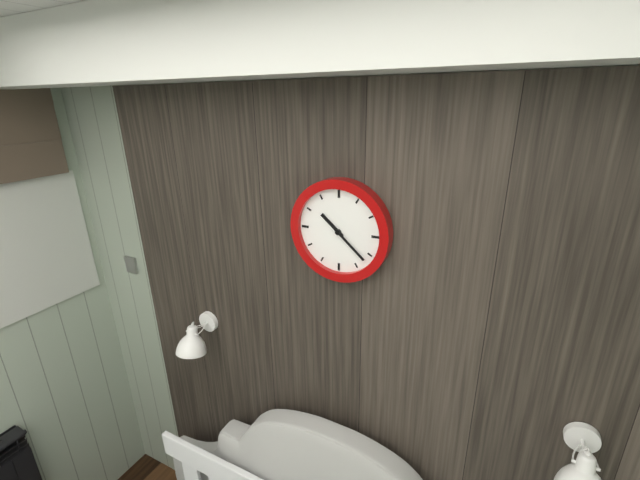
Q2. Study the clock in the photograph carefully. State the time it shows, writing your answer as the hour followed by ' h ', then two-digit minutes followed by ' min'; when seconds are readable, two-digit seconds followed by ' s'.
10 h 22 min
